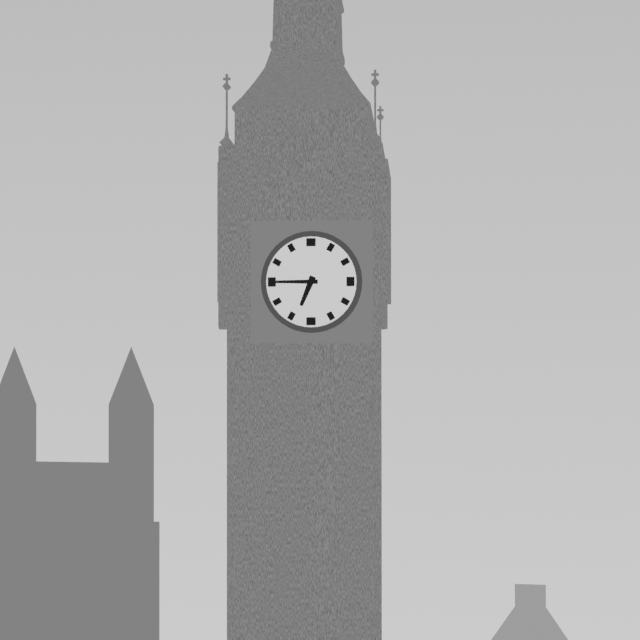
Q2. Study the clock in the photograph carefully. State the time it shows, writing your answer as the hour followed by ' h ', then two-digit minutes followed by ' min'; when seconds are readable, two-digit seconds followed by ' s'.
6 h 45 min
